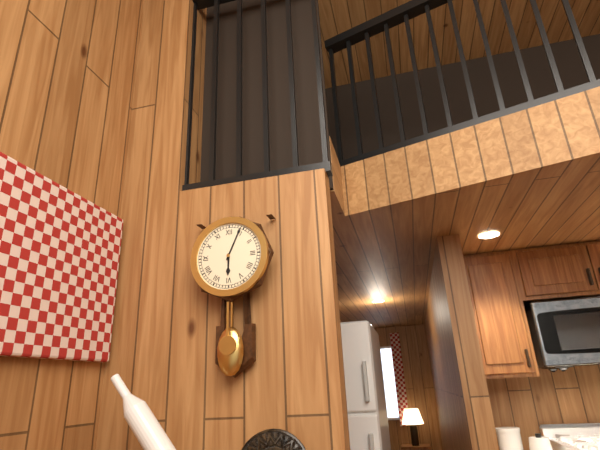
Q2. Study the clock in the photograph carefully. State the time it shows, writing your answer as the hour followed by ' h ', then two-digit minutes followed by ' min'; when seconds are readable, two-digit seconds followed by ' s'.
6 h 04 min
